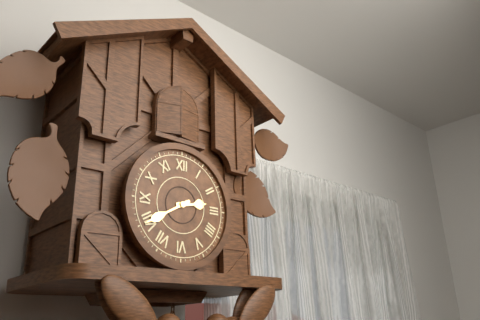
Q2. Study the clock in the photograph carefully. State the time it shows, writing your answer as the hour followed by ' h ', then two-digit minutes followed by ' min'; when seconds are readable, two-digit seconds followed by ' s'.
2 h 40 min
